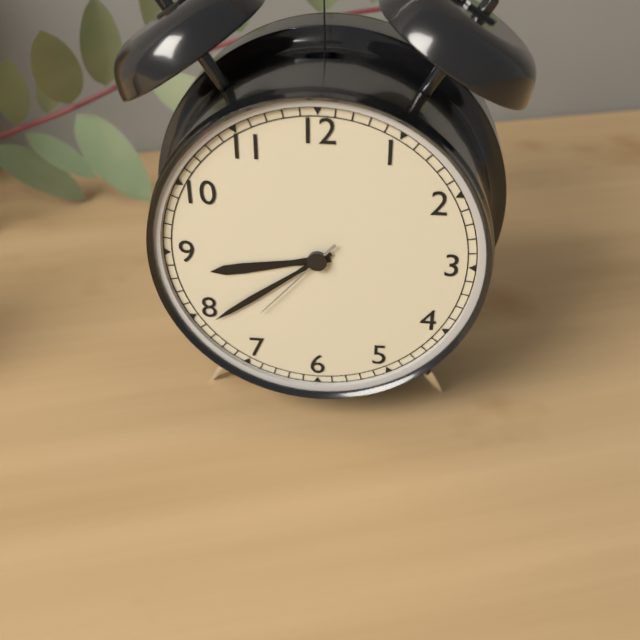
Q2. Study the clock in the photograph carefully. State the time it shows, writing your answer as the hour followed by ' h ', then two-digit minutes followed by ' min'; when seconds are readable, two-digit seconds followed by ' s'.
8 h 39 min 37 s
